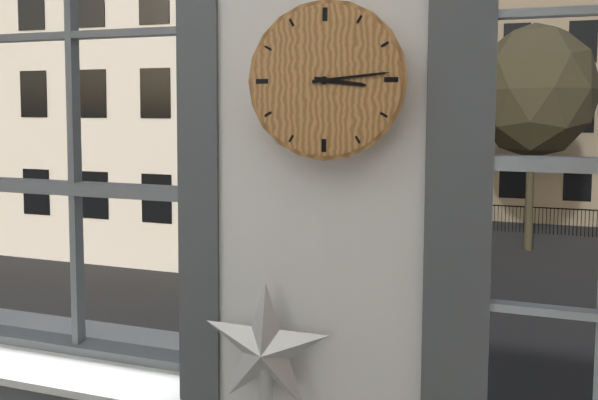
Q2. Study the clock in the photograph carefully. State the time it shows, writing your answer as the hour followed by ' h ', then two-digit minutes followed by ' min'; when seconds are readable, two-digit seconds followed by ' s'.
3 h 14 min
